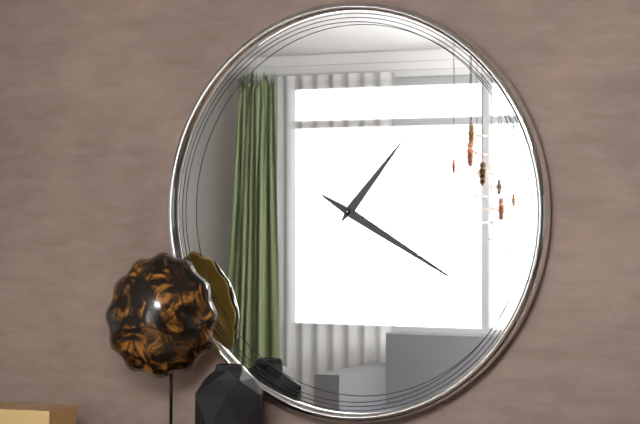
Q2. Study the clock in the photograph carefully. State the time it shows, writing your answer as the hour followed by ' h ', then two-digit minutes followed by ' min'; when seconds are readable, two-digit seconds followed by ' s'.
1 h 20 min
